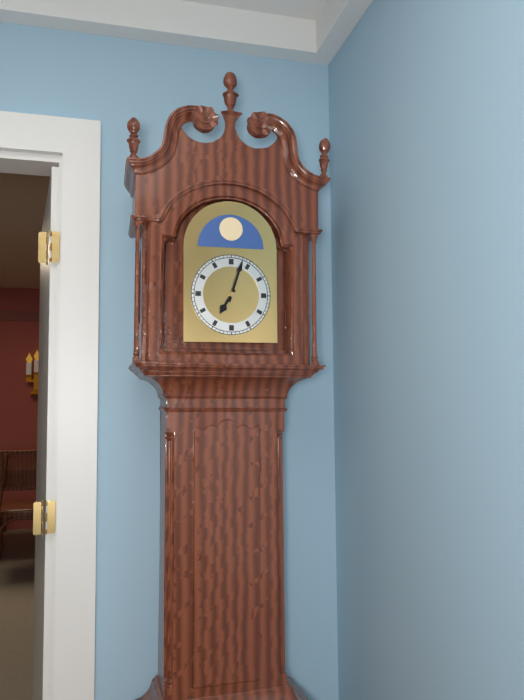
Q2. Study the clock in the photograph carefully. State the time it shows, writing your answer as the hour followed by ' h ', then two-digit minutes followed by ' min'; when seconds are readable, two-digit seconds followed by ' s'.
7 h 03 min
